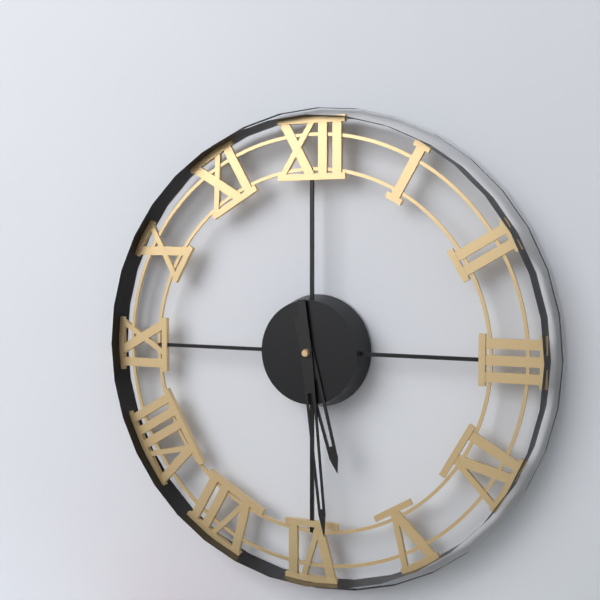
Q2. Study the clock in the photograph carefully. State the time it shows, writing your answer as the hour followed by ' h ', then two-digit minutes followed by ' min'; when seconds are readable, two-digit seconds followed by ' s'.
5 h 29 min
